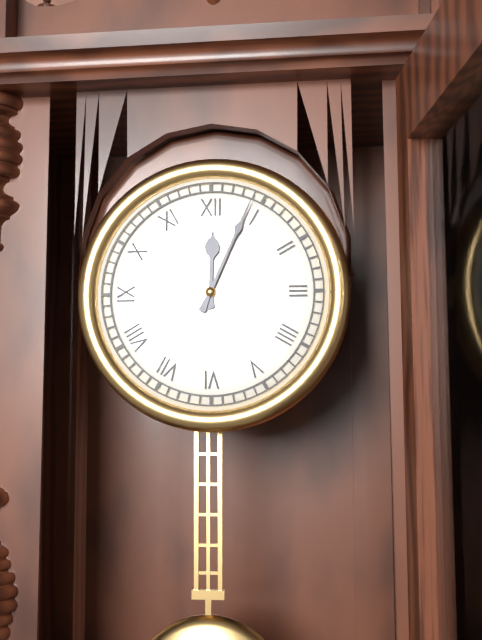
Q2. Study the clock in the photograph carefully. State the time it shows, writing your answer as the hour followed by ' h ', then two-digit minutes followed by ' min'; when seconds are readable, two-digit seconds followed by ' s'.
12 h 04 min
